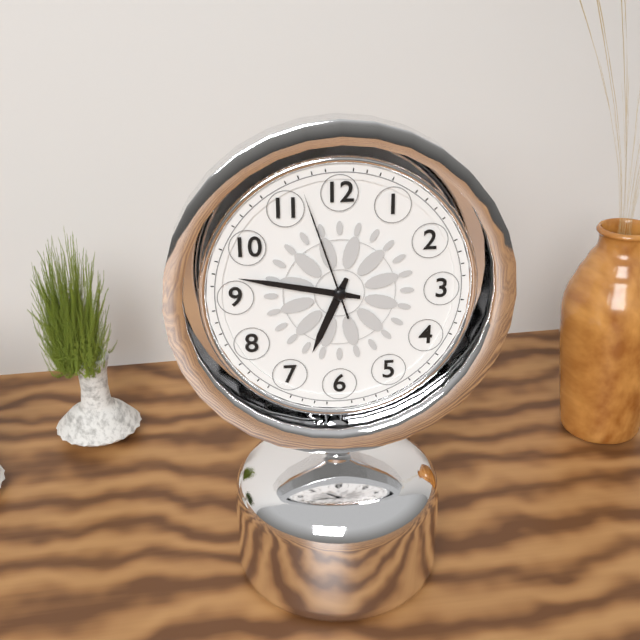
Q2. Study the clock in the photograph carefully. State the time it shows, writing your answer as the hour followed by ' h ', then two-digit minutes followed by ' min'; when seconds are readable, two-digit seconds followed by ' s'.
6 h 47 min 57 s
